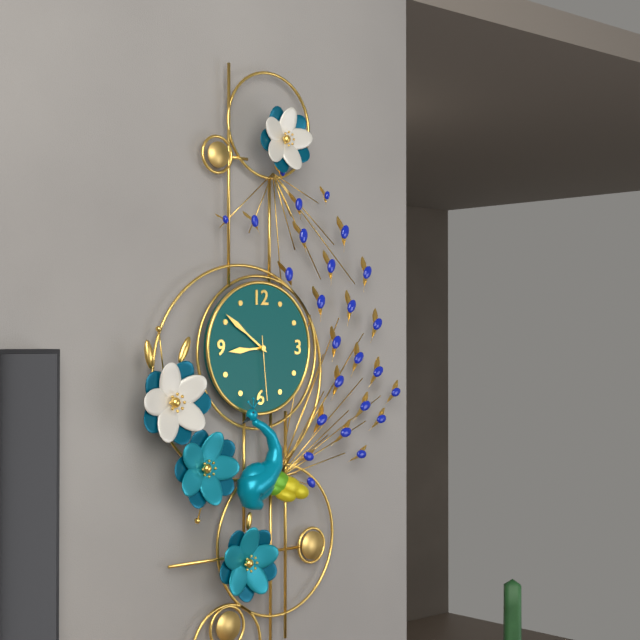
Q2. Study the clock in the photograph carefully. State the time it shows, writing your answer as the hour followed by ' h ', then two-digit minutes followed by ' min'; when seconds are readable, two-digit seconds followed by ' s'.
8 h 51 min 29 s
